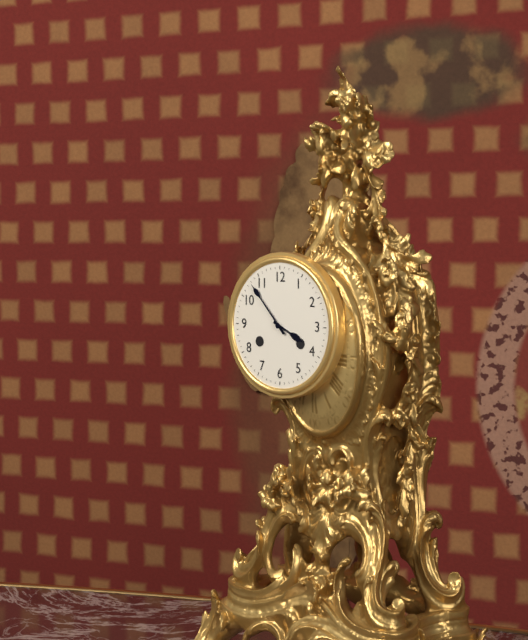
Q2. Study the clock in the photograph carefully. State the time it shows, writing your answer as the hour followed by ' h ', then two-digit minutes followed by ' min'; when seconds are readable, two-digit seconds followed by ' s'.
3 h 53 min
